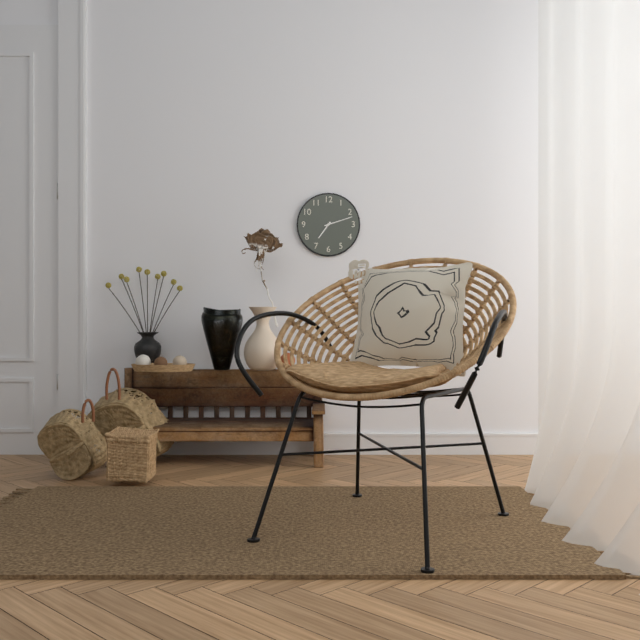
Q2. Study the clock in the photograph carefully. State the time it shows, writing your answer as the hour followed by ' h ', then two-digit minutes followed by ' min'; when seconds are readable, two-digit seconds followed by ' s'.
7 h 12 min
